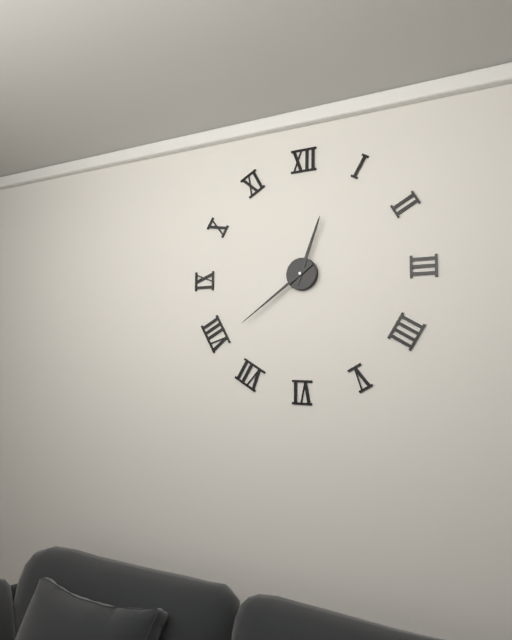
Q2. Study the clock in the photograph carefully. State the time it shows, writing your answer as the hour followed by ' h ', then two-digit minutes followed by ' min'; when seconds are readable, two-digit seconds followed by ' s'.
12 h 39 min
